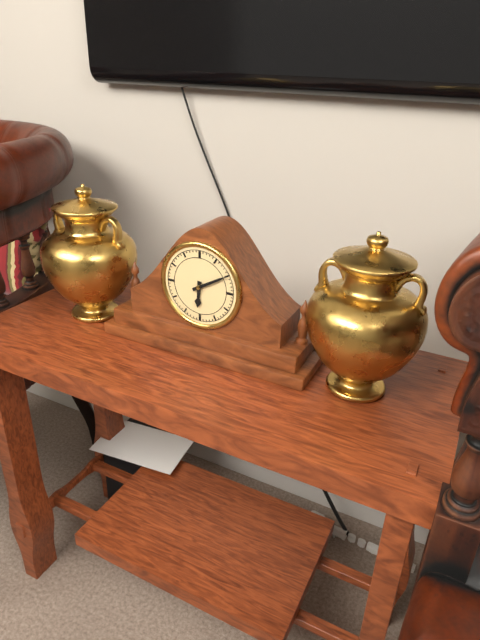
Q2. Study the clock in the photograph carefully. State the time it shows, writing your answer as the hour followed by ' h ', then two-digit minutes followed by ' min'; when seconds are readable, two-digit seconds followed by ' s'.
6 h 10 min
